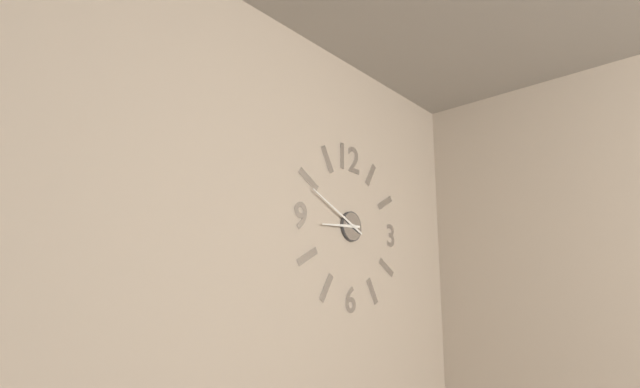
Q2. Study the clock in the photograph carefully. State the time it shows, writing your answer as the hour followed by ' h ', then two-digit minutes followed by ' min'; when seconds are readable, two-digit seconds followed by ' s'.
8 h 49 min
